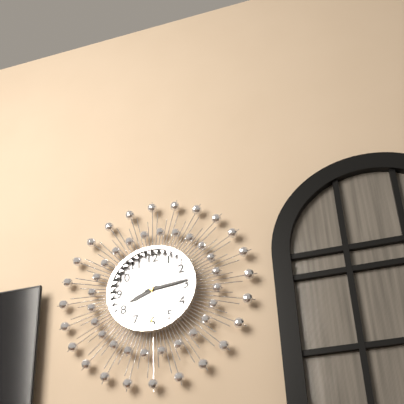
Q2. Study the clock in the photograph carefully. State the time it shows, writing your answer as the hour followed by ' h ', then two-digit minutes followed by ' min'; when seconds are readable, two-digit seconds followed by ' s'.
8 h 14 min
